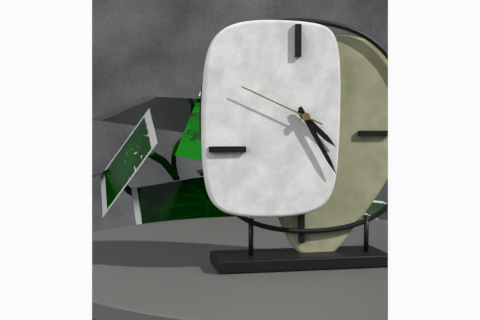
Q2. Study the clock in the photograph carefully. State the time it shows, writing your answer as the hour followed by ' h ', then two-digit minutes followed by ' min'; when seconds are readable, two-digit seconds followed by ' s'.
4 h 25 min 49 s
